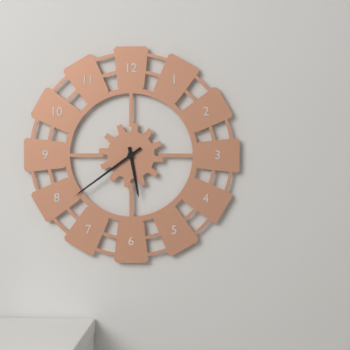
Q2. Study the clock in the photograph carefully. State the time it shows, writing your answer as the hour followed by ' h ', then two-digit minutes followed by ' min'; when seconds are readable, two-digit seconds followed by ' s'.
5 h 39 min
